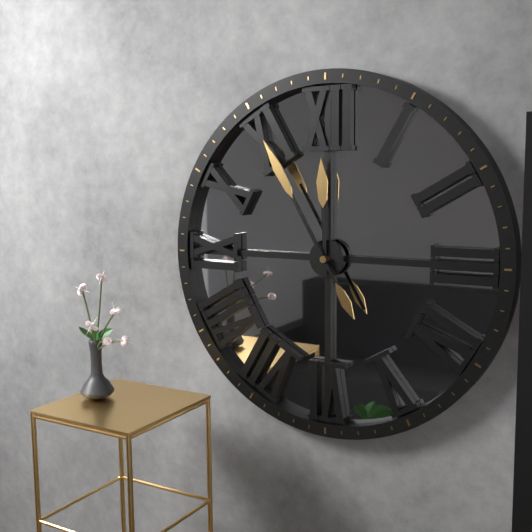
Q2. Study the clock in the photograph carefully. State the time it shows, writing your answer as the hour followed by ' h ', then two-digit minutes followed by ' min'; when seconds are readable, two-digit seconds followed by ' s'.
11 h 55 min
